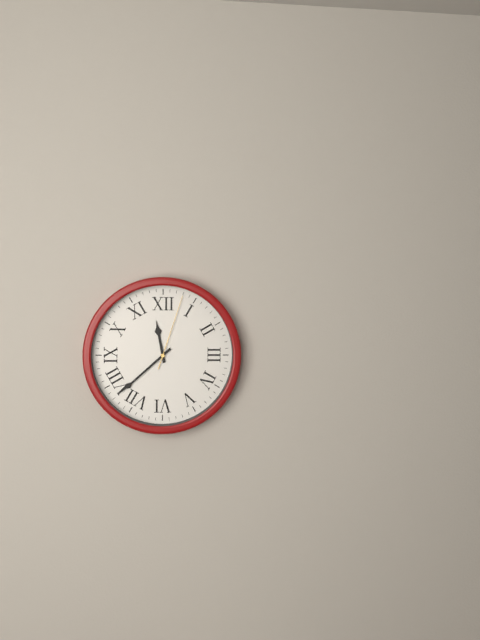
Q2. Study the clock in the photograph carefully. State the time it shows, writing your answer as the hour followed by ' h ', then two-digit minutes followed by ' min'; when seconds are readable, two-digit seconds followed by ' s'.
11 h 38 min 03 s
